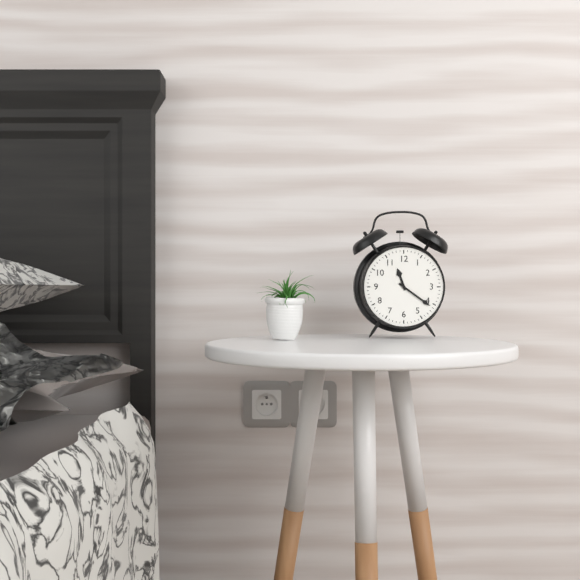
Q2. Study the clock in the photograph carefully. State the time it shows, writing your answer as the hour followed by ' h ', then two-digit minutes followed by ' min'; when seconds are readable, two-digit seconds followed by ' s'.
11 h 21 min
